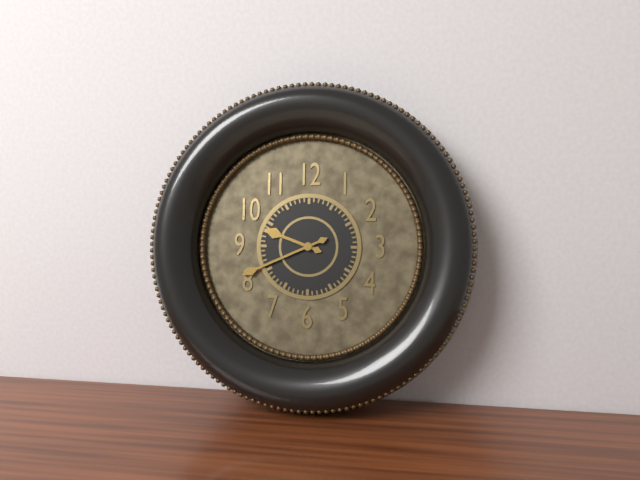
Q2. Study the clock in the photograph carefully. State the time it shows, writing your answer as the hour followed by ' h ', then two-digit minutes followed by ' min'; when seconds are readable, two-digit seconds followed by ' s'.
9 h 41 min
